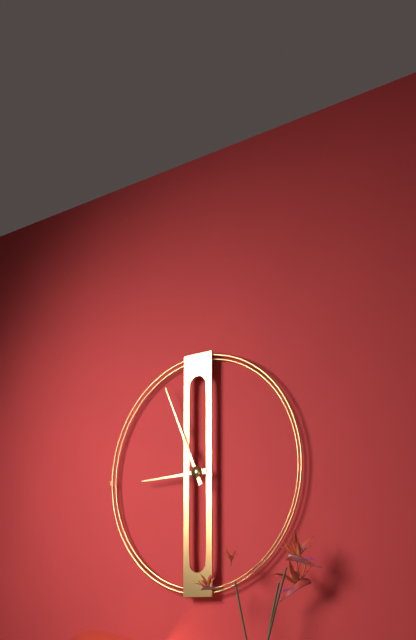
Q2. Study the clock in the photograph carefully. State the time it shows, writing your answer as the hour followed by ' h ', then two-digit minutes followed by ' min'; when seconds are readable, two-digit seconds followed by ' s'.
8 h 56 min
